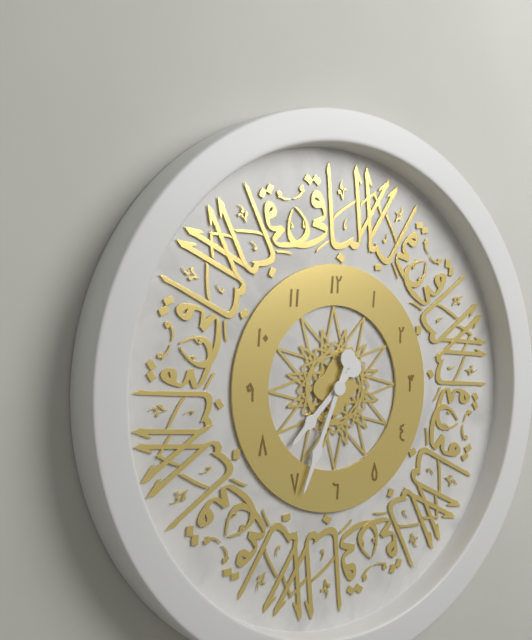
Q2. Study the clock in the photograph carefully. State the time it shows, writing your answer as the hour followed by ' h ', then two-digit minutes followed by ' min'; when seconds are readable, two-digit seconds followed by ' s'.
7 h 34 min
